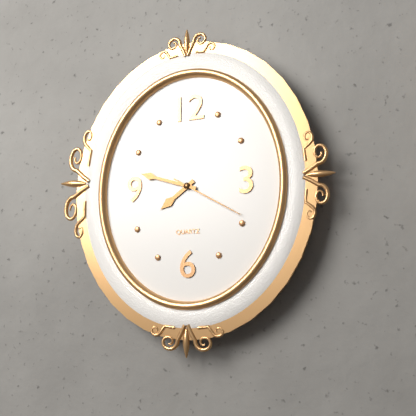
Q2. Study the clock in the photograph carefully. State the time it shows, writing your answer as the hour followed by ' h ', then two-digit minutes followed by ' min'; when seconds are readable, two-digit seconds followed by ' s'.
7 h 48 min 20 s
